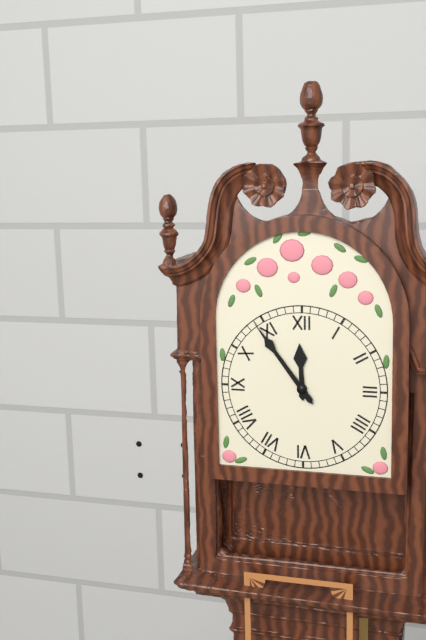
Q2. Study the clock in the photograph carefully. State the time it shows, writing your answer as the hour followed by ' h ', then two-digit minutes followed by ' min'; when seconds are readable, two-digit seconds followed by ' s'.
11 h 54 min
